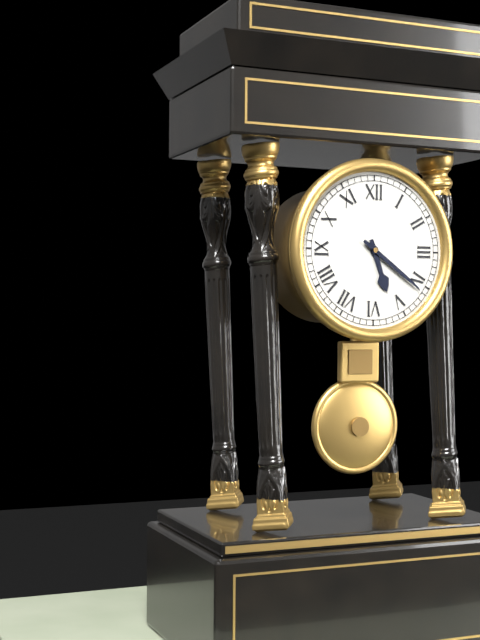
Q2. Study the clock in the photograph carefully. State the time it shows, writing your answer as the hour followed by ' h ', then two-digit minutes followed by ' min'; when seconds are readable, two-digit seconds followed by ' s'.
5 h 21 min
